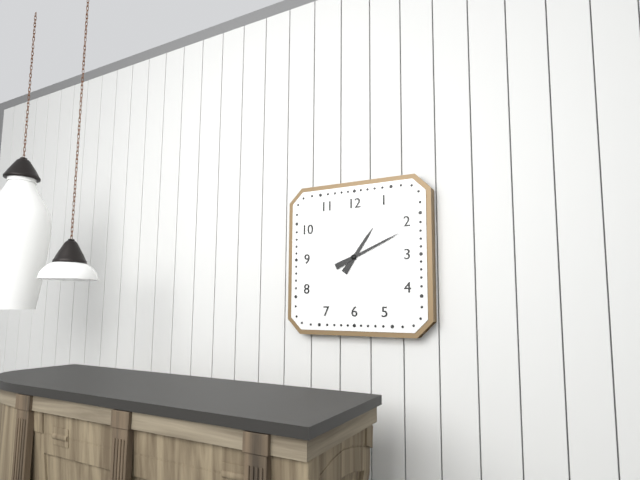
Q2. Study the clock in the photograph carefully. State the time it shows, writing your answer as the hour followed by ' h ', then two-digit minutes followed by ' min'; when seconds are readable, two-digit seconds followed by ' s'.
1 h 11 min
